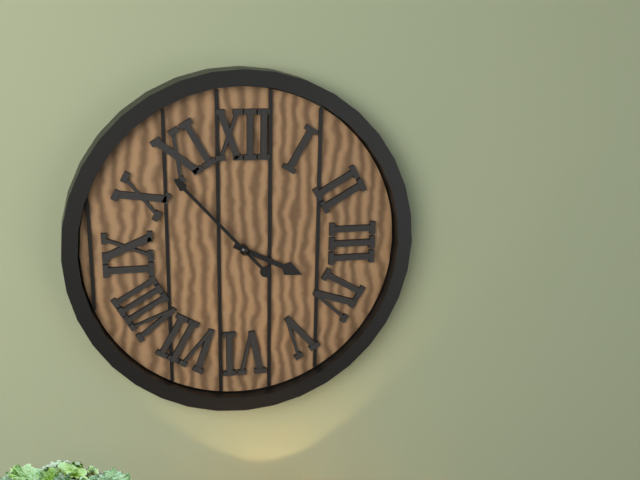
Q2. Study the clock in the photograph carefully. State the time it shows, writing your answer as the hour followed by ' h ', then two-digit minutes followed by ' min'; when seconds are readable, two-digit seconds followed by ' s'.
3 h 53 min
